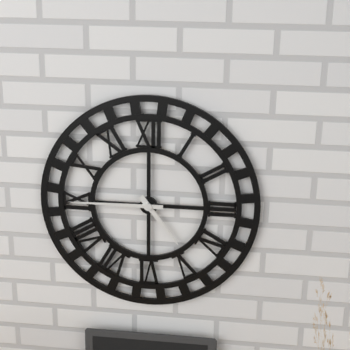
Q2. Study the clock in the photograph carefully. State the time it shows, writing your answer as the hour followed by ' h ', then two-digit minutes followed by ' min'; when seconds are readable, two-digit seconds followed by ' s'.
4 h 45 min
